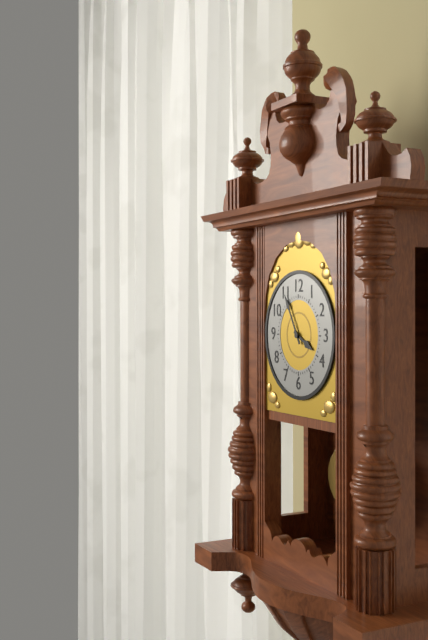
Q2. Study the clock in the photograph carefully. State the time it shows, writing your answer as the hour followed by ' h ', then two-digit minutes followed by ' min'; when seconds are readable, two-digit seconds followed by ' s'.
3 h 55 min
